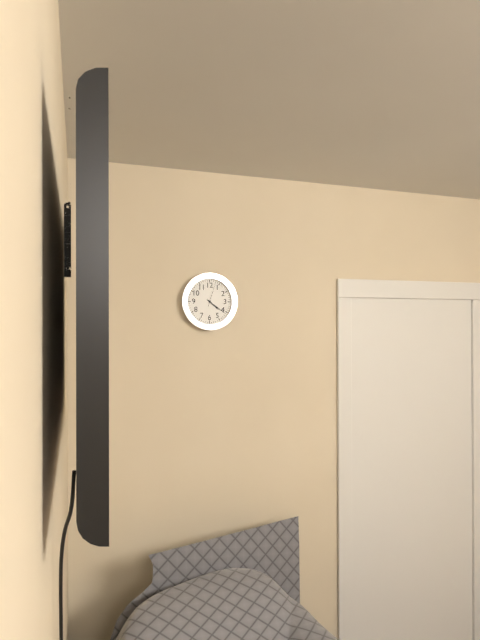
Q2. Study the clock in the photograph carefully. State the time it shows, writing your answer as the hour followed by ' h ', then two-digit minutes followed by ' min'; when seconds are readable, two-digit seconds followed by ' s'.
4 h 21 min
